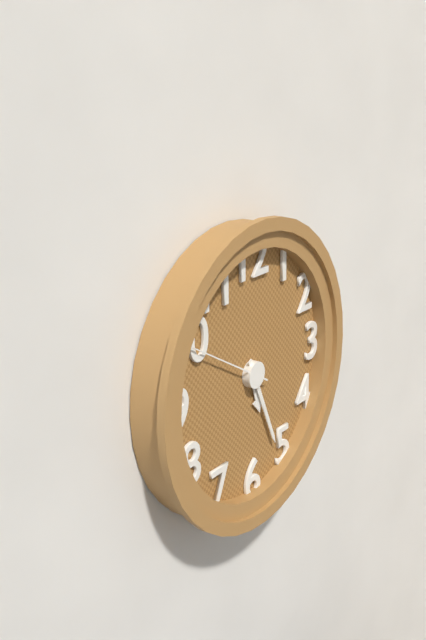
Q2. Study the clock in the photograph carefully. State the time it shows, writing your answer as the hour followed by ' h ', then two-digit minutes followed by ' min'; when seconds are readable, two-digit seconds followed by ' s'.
5 h 26 min 50 s
